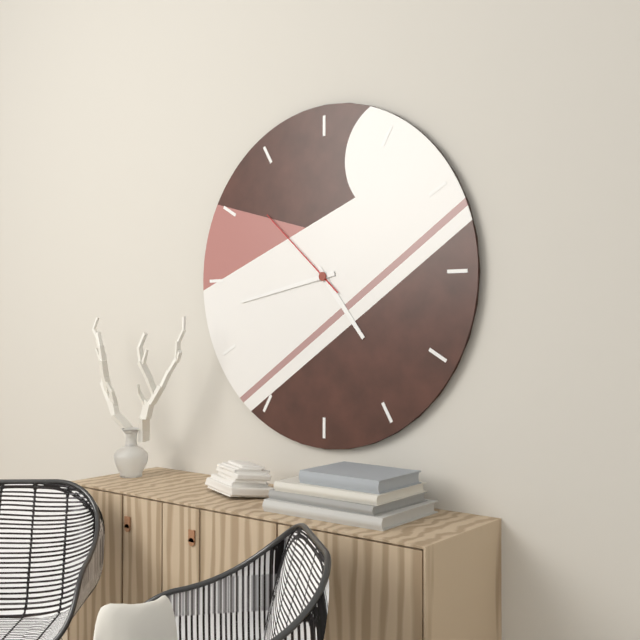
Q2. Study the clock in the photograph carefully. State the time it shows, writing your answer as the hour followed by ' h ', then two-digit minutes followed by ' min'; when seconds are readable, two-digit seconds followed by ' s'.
4 h 43 min 52 s
